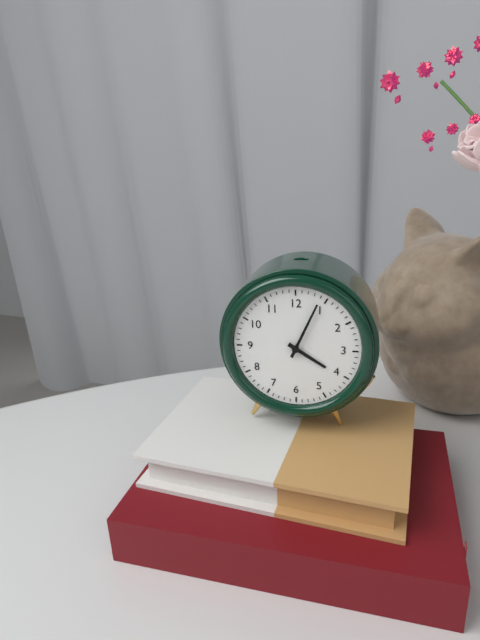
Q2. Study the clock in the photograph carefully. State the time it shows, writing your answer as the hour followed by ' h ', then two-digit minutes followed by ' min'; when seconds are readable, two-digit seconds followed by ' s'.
4 h 04 min
